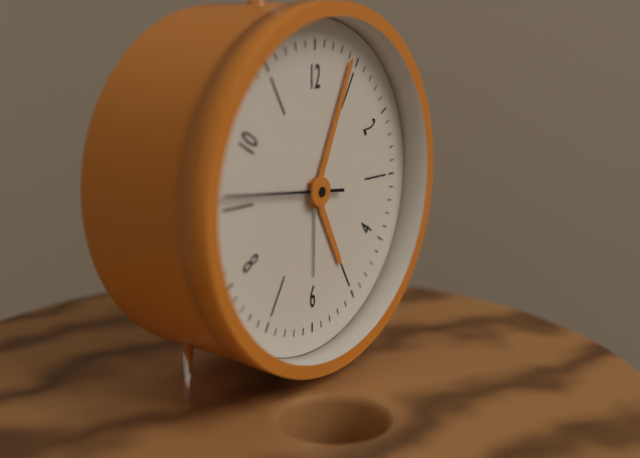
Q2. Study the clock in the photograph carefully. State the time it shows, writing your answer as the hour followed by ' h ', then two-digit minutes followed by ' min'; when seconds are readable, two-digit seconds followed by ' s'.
5 h 04 min
